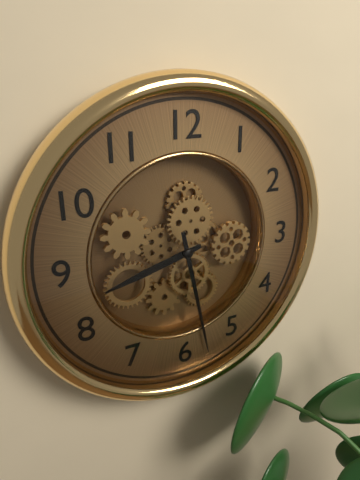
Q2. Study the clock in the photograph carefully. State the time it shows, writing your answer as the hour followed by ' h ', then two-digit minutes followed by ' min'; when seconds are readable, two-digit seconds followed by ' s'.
8 h 28 min
